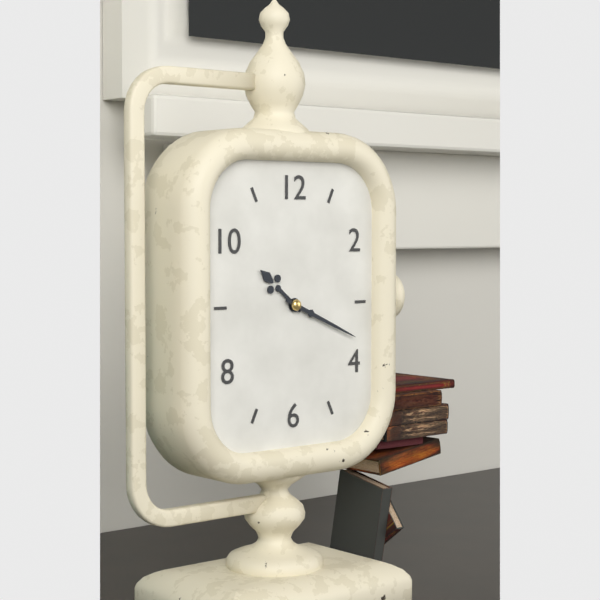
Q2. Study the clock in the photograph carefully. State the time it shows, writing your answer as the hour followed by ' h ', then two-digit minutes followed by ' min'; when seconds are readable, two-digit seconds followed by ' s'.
10 h 19 min
